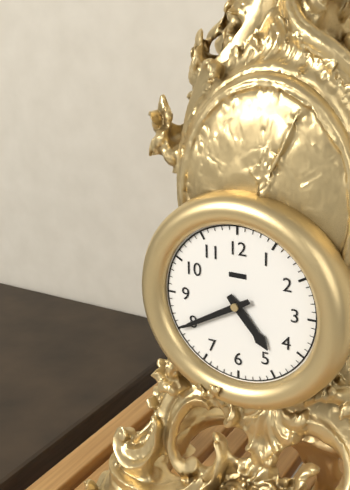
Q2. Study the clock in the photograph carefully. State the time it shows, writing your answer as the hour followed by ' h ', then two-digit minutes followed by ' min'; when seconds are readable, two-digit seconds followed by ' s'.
4 h 40 min
